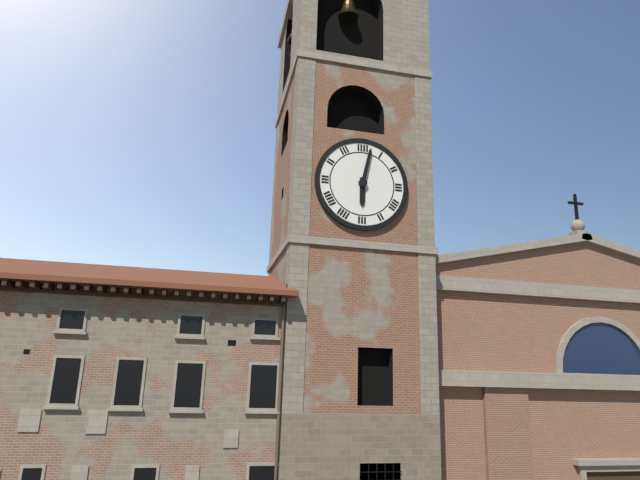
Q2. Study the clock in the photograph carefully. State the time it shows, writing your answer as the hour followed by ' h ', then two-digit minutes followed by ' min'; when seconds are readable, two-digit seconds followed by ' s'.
6 h 02 min
